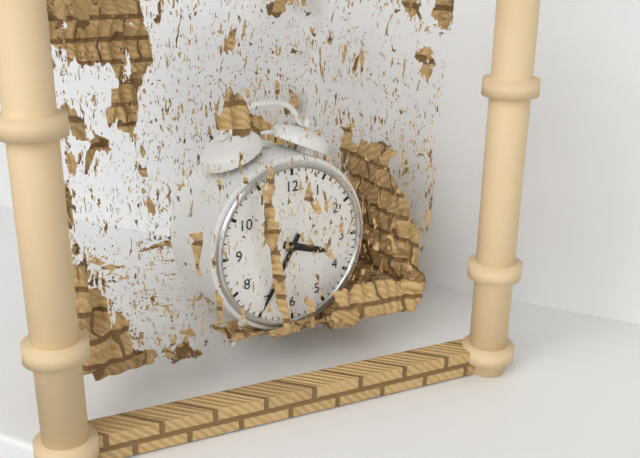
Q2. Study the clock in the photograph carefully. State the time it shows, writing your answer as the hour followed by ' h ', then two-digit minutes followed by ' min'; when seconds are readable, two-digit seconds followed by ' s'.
3 h 35 min
